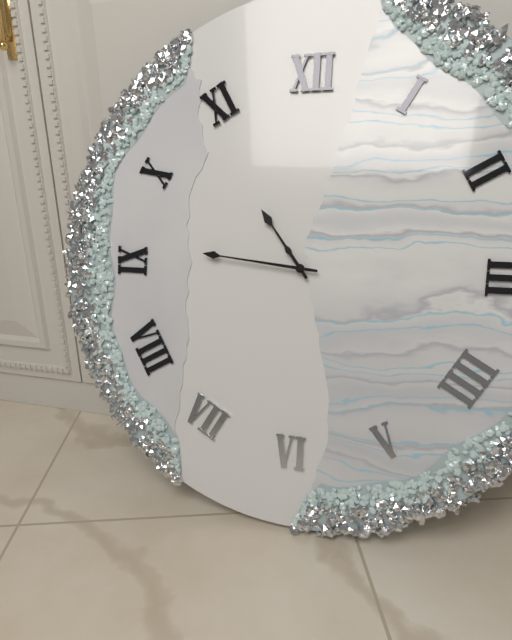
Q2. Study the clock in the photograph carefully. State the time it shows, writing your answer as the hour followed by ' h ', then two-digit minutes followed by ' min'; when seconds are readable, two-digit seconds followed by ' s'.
10 h 46 min
